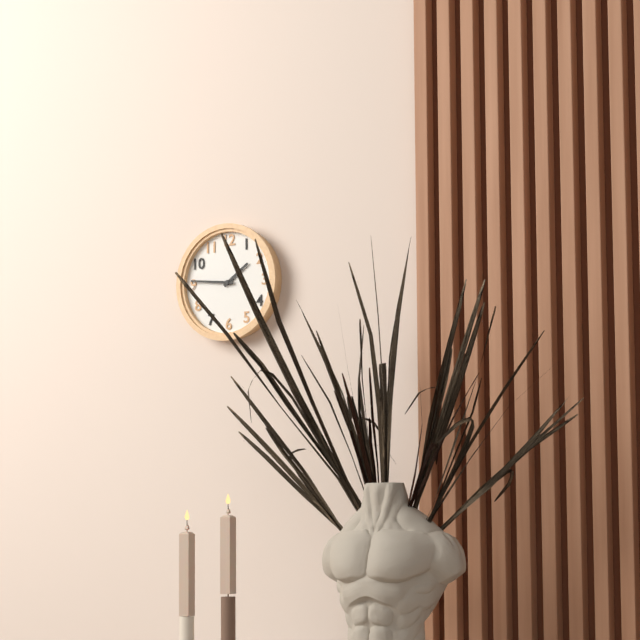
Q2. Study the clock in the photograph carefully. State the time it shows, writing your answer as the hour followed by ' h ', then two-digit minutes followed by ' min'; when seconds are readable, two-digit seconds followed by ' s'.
1 h 46 min
